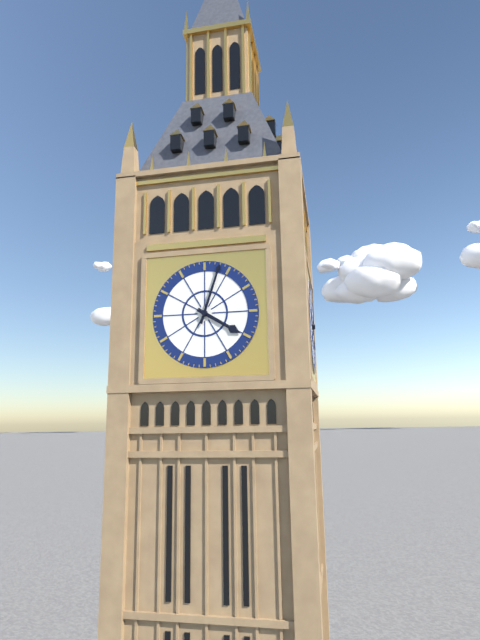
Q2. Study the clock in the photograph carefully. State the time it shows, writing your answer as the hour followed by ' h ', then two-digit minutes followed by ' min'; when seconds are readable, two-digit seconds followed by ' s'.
4 h 03 min
